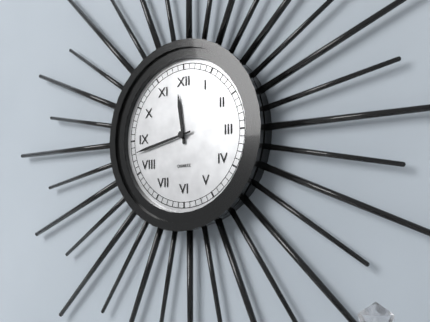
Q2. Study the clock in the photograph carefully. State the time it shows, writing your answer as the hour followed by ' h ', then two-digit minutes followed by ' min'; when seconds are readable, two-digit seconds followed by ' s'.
11 h 43 min
